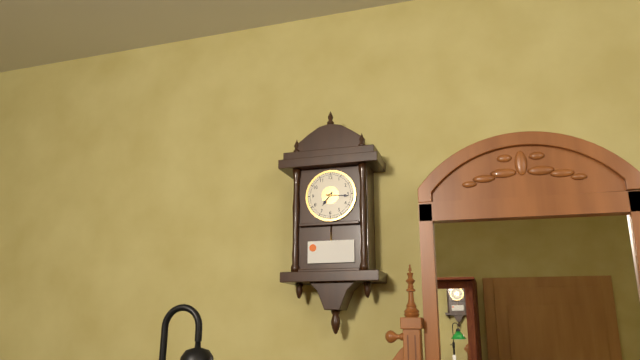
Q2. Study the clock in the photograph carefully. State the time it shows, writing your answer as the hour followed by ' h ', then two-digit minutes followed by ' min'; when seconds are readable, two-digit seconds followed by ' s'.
7 h 16 min
